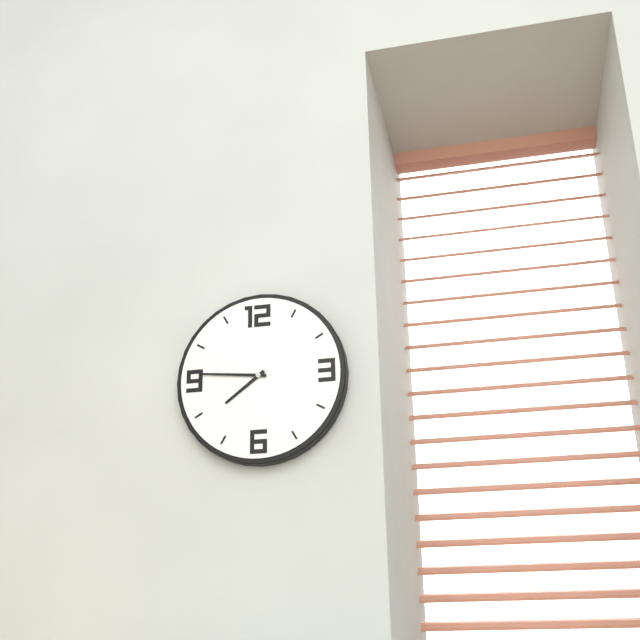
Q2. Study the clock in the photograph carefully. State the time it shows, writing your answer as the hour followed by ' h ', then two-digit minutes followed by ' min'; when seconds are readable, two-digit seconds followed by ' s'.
7 h 46 min
